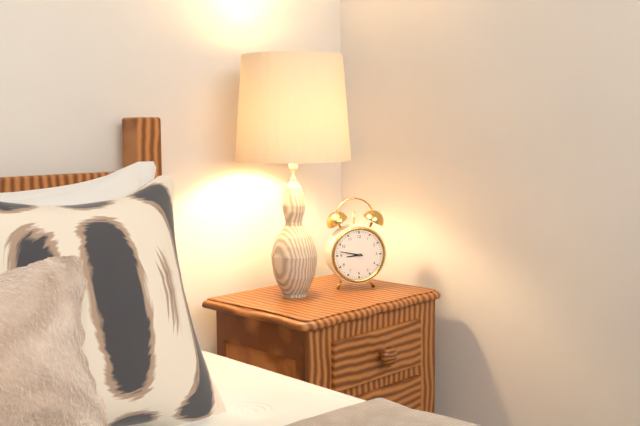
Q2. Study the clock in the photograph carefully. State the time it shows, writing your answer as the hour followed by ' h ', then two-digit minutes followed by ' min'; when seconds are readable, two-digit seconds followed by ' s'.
8 h 47 min
